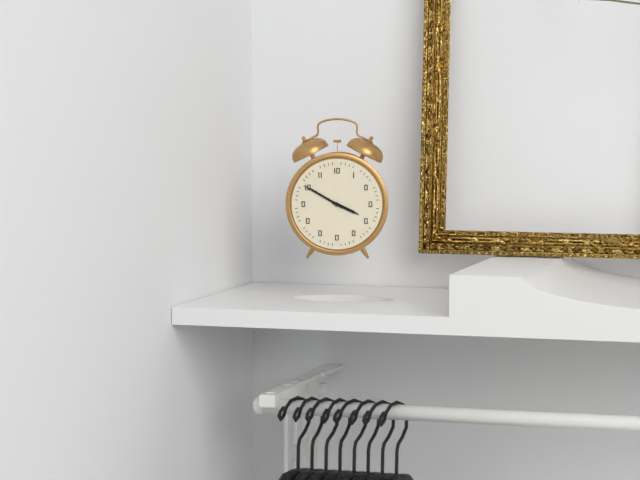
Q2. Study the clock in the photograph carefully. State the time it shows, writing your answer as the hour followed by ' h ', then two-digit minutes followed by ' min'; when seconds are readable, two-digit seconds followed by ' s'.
3 h 50 min
